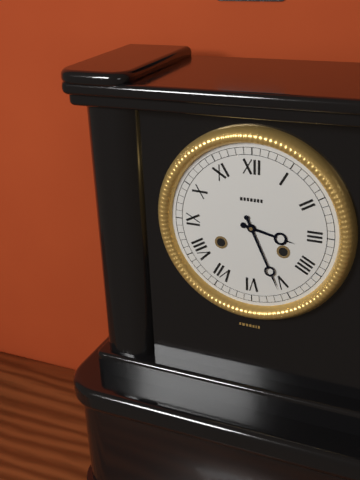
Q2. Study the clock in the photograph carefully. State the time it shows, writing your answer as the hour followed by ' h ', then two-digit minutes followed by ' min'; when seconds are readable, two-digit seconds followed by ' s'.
3 h 26 min
